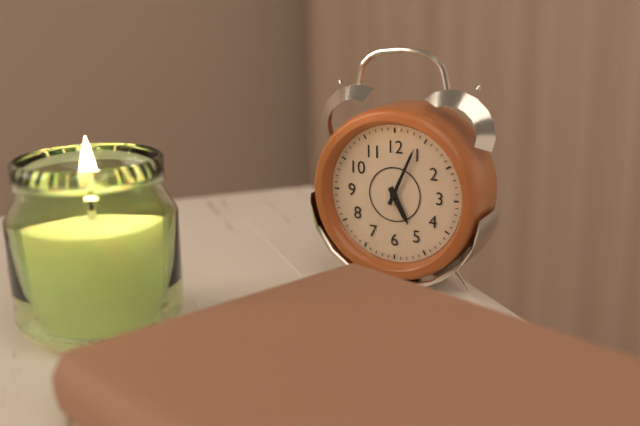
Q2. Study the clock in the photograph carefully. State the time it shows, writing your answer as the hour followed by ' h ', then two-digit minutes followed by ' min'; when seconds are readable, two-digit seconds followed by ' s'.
5 h 04 min
